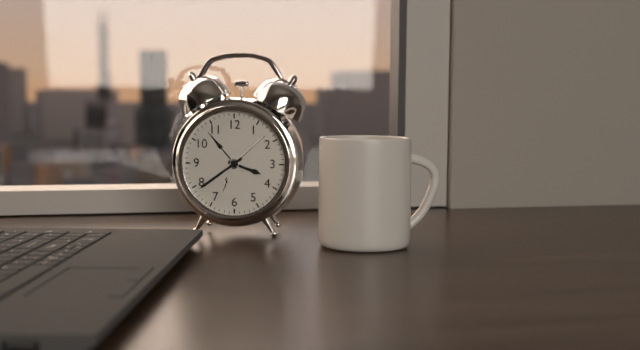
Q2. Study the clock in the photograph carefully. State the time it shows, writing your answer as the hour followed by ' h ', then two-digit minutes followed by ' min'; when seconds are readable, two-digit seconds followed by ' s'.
3 h 39 min
